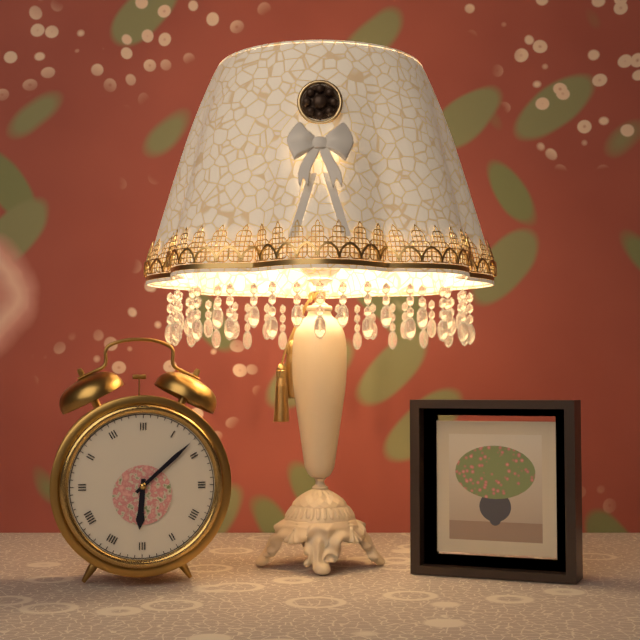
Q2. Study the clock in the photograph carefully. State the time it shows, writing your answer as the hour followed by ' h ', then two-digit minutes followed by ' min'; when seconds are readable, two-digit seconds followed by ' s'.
6 h 08 min
